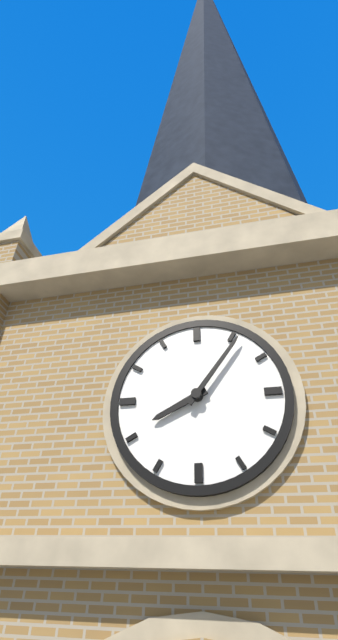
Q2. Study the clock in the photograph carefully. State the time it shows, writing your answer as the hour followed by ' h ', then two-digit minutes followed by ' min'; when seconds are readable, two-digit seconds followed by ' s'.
8 h 06 min
